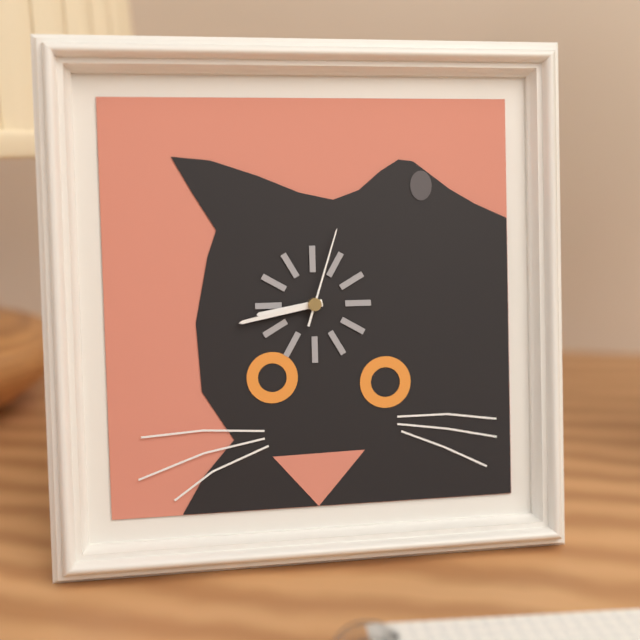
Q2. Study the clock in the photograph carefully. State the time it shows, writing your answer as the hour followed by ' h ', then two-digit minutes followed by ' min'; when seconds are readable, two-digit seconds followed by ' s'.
8 h 43 min 03 s
